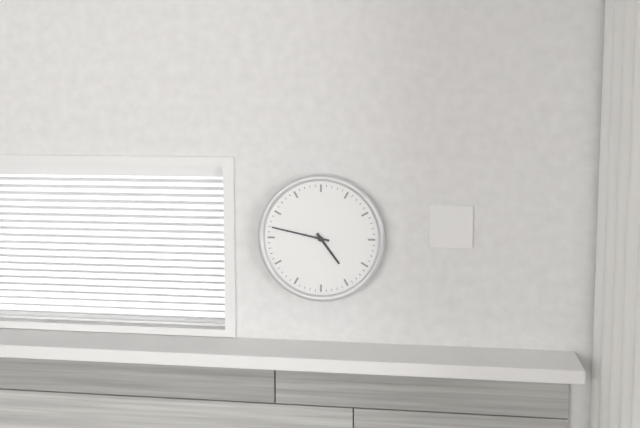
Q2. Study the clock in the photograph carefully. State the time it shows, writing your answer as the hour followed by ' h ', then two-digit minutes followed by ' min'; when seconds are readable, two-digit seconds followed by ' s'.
4 h 47 min
